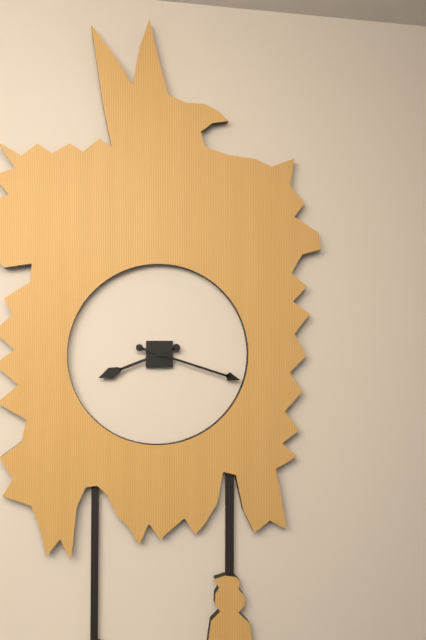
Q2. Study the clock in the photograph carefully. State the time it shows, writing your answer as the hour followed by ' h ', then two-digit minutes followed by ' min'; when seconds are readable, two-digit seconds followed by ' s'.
8 h 18 min
